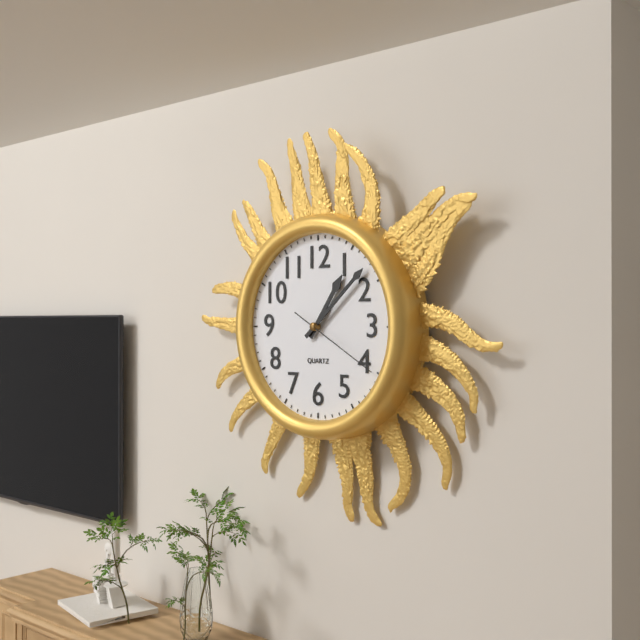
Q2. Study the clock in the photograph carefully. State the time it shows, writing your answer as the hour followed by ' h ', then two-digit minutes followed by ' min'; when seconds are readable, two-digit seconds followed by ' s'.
1 h 08 min 20 s
